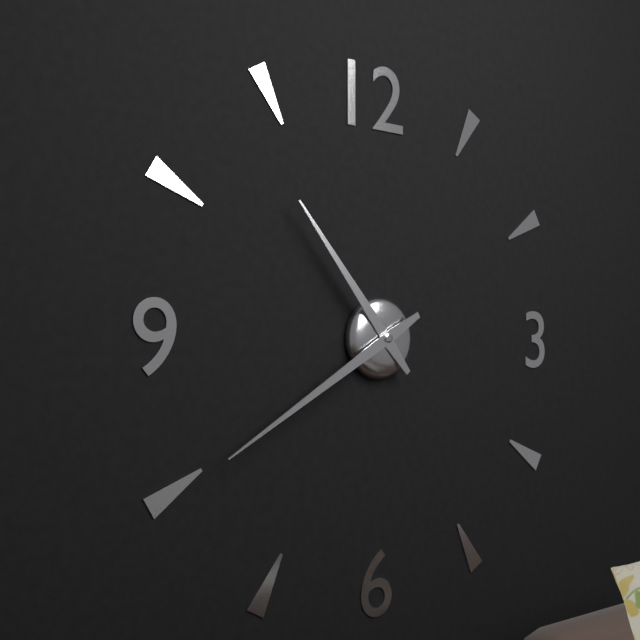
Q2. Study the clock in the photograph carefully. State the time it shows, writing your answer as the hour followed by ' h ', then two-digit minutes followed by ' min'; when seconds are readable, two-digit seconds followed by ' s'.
10 h 40 min
